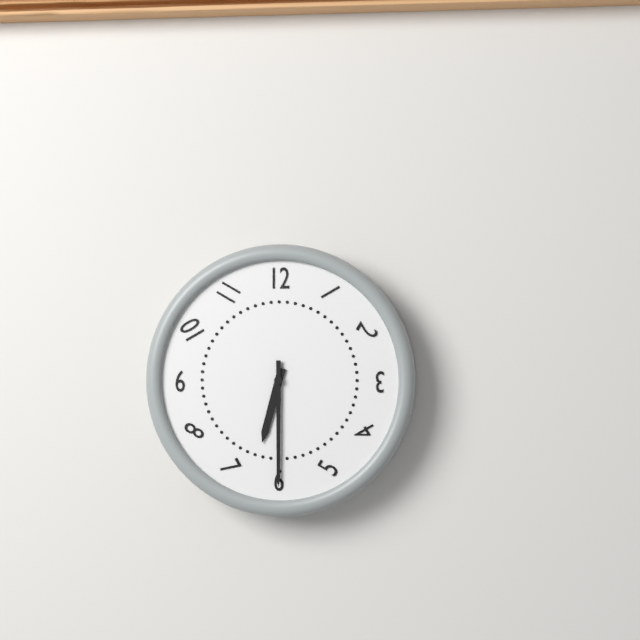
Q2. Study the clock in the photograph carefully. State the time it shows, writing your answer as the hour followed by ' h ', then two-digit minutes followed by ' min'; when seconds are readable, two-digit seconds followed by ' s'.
6 h 30 min
